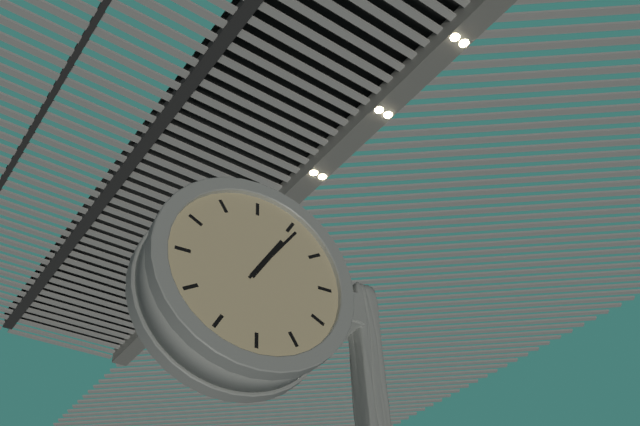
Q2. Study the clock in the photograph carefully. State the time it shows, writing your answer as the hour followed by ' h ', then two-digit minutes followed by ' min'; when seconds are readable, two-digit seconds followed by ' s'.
1 h 06 min
